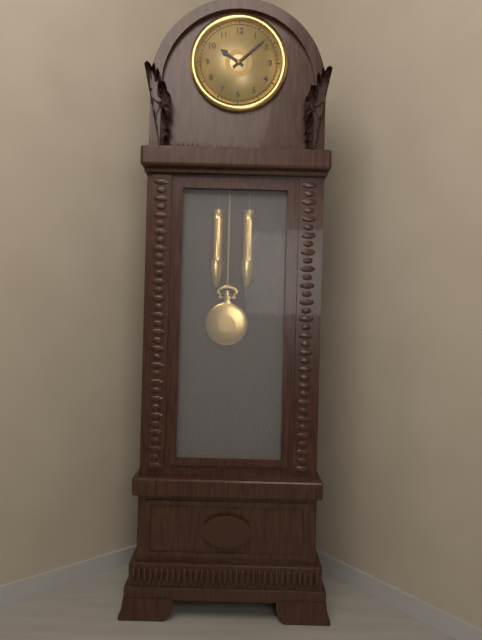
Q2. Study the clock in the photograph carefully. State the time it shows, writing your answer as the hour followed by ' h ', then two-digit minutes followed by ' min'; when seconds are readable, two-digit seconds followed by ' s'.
10 h 08 min
